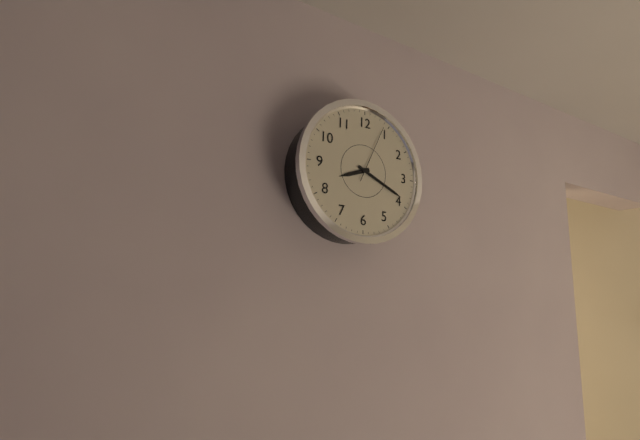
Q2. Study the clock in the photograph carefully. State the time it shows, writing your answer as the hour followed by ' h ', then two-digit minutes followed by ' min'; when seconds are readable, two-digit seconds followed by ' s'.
8 h 19 min 04 s
